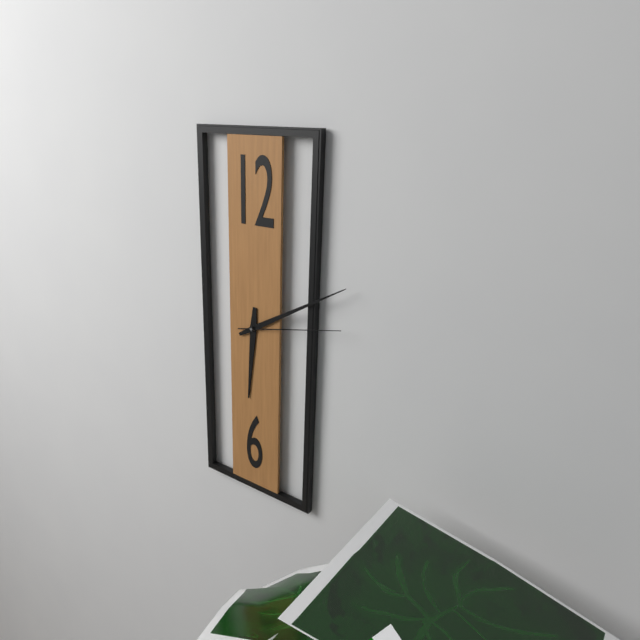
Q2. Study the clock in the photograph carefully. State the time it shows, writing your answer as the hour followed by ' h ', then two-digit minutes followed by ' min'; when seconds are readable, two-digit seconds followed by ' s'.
6 h 10 min 13 s
